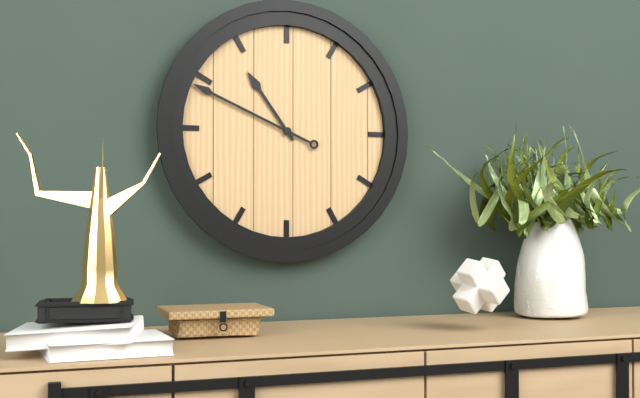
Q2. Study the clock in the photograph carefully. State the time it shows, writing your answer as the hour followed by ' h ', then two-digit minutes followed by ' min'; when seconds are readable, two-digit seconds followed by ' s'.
10 h 49 min
